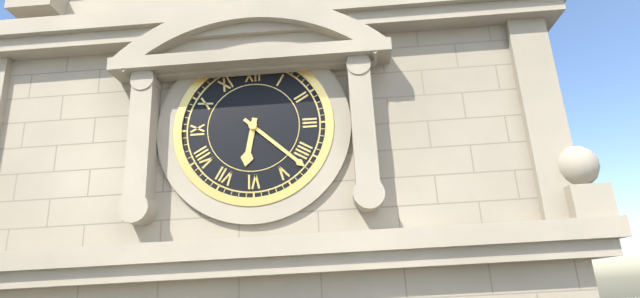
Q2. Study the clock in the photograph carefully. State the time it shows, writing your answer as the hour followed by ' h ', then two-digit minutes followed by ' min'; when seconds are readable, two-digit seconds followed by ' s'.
6 h 22 min
